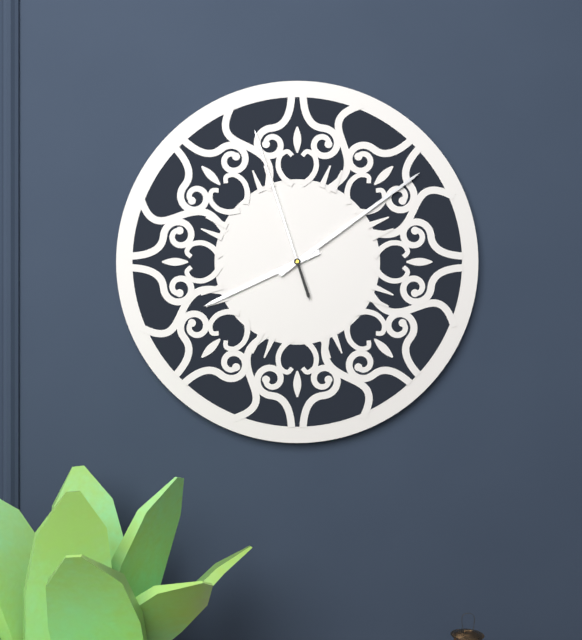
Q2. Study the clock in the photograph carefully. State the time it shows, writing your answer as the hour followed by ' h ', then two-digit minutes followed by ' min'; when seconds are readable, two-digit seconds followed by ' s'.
8 h 09 min 57 s
